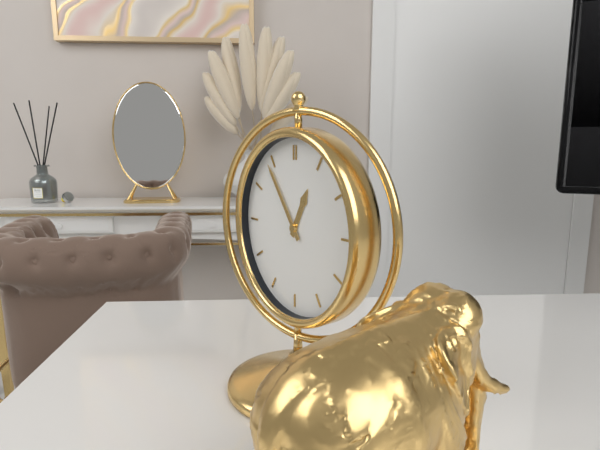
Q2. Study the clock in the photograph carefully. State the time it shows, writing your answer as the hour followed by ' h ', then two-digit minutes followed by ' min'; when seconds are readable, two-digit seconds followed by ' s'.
12 h 54 min
